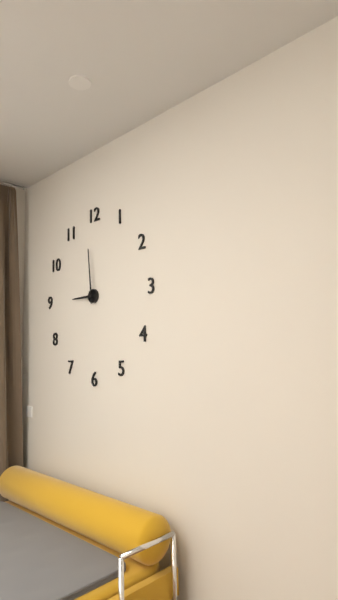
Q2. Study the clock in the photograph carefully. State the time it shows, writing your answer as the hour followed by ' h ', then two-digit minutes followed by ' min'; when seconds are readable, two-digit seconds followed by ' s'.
8 h 59 min
